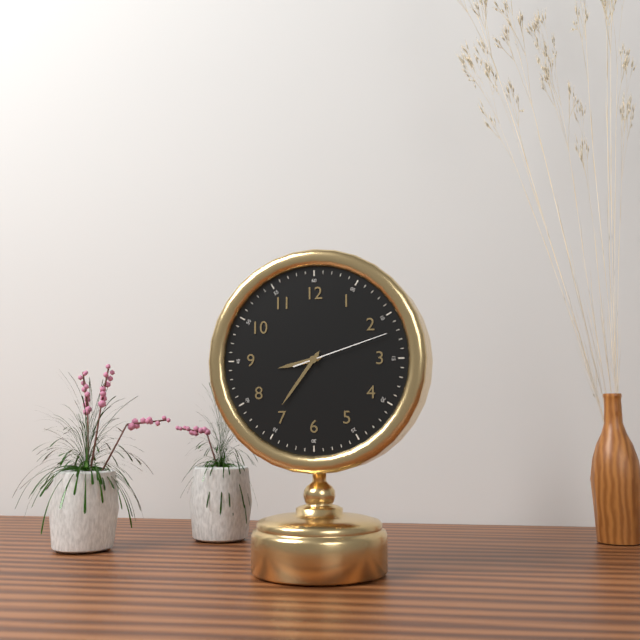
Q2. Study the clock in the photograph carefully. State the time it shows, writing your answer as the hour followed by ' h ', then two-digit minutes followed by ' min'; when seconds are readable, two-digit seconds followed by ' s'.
8 h 36 min 12 s
